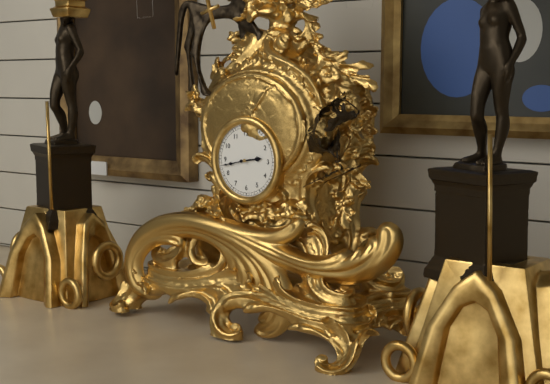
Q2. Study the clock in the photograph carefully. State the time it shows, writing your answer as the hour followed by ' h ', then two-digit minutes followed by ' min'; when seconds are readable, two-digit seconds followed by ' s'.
2 h 43 min
